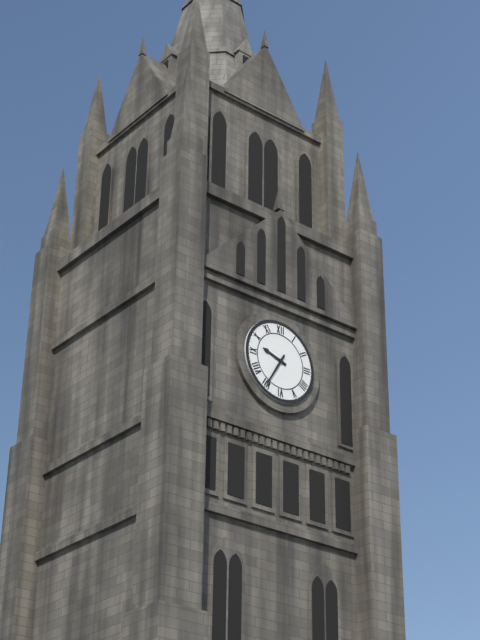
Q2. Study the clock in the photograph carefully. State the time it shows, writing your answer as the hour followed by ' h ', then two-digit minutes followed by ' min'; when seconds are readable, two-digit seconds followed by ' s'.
9 h 35 min
